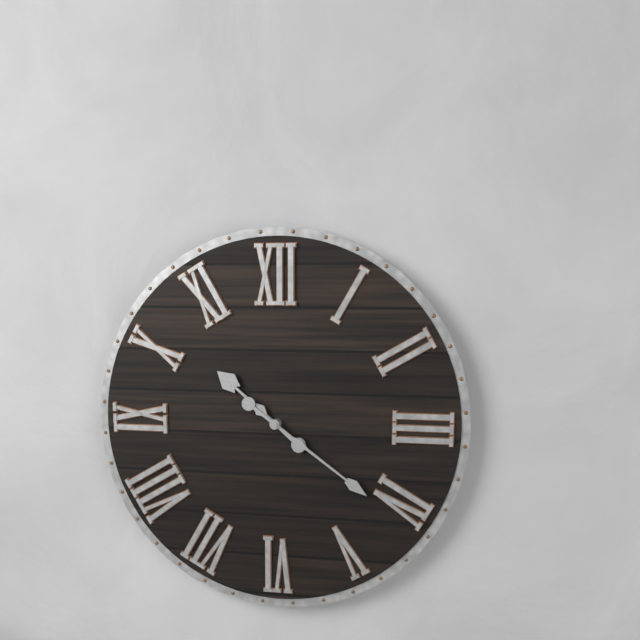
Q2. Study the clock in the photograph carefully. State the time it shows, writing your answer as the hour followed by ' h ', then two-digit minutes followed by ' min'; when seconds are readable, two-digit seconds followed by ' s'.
10 h 21 min
